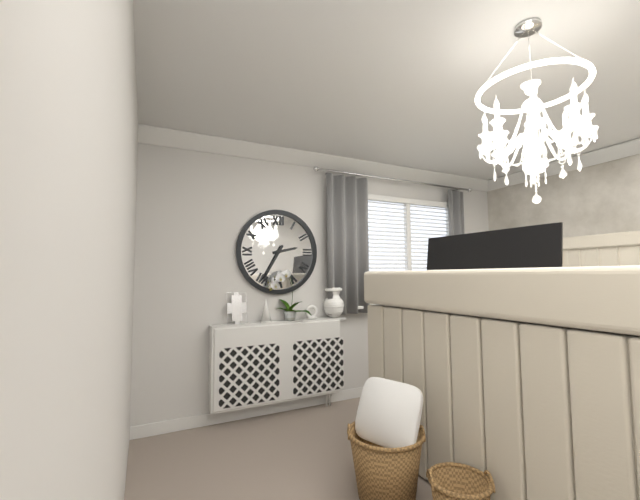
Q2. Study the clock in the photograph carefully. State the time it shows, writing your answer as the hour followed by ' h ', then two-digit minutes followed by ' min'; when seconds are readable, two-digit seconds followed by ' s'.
2 h 35 min
